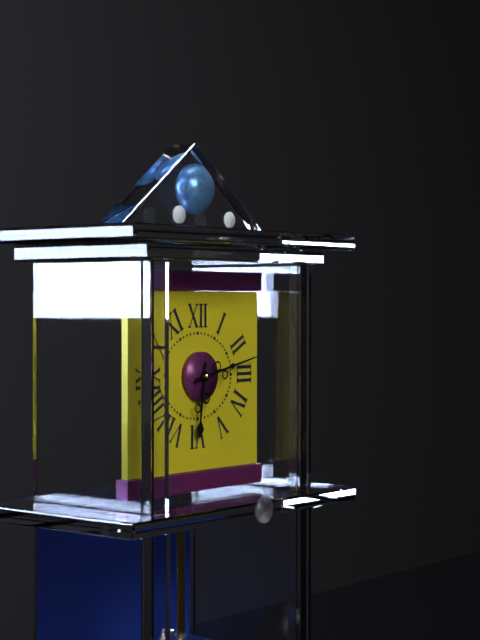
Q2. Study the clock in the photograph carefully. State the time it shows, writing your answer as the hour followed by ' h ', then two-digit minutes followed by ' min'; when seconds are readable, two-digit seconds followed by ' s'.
6 h 13 min
